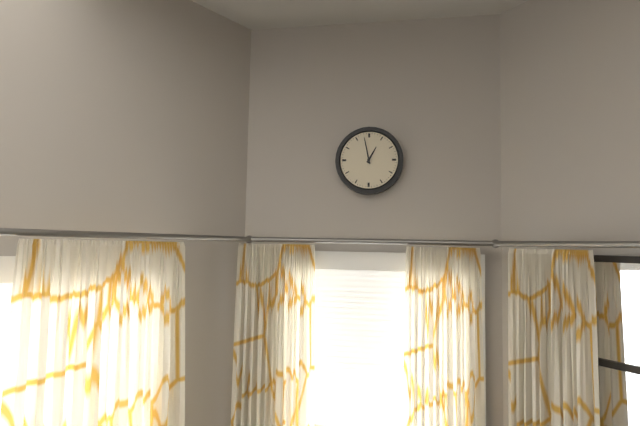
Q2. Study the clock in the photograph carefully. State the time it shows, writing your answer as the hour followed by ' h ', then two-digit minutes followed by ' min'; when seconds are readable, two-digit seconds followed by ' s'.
12 h 58 min
